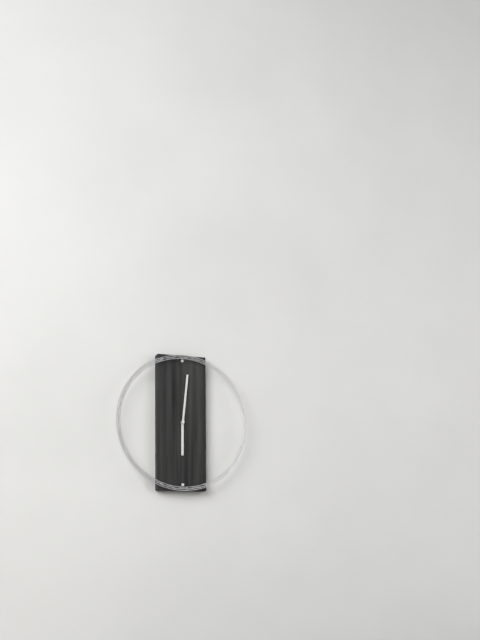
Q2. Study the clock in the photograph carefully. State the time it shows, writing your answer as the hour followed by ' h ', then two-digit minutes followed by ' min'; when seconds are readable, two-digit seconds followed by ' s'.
6 h 01 min
